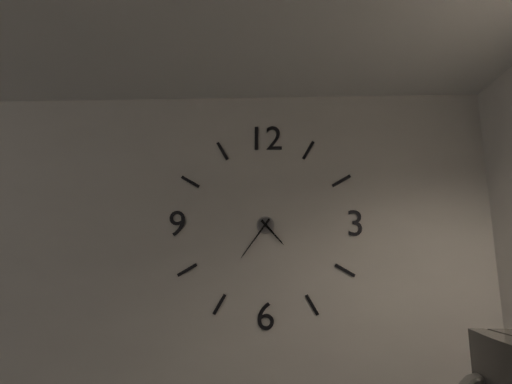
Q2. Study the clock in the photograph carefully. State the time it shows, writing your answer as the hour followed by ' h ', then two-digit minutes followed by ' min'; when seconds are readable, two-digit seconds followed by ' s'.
4 h 36 min
